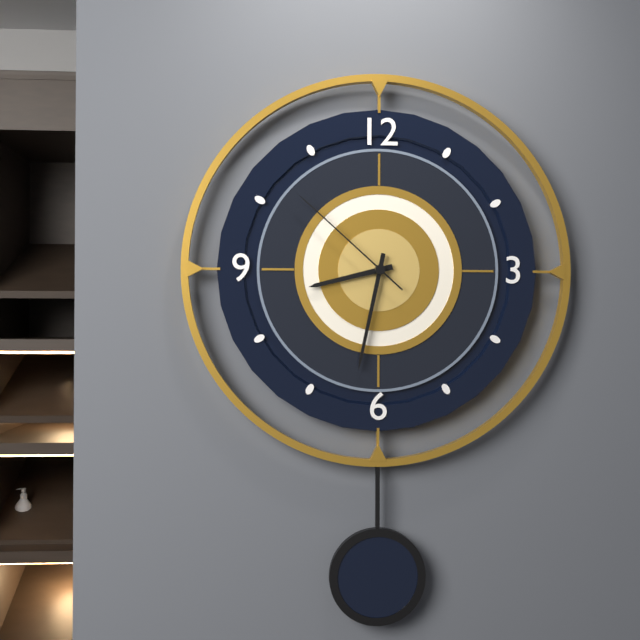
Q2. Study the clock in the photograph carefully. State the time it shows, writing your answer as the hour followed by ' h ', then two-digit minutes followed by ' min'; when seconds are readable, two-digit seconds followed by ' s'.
8 h 32 min 52 s
